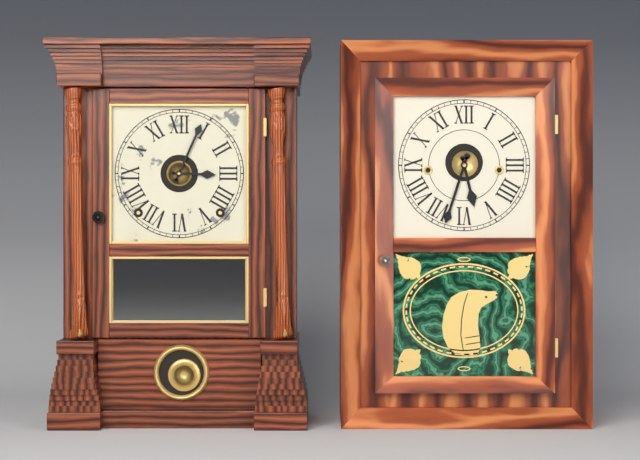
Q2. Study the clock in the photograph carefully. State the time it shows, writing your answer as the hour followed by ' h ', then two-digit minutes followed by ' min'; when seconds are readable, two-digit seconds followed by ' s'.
3 h 04 min
